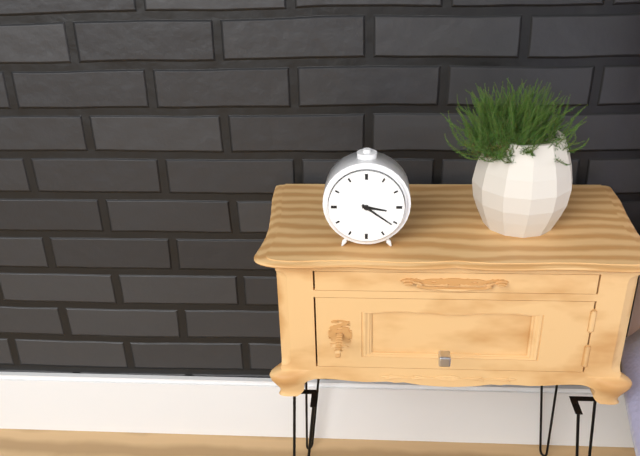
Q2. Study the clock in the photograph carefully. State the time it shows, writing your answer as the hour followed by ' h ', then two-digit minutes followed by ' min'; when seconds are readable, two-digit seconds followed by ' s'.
3 h 21 min
